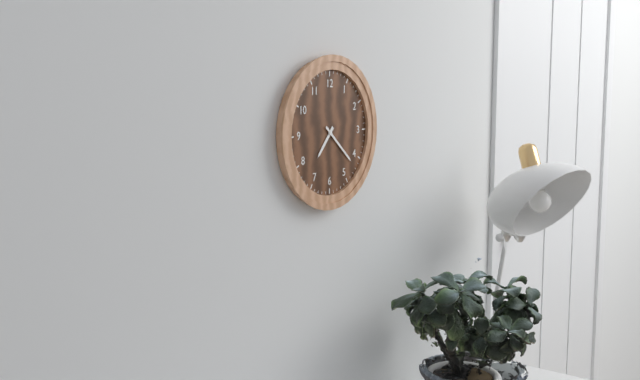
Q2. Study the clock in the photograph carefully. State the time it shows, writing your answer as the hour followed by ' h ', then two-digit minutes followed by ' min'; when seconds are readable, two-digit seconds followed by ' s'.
7 h 22 min
